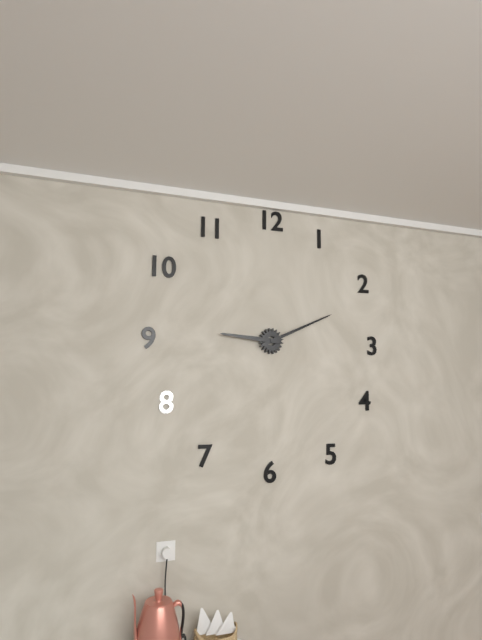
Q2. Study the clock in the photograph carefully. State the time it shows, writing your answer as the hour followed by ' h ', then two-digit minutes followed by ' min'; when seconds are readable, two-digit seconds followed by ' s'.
9 h 11 min
